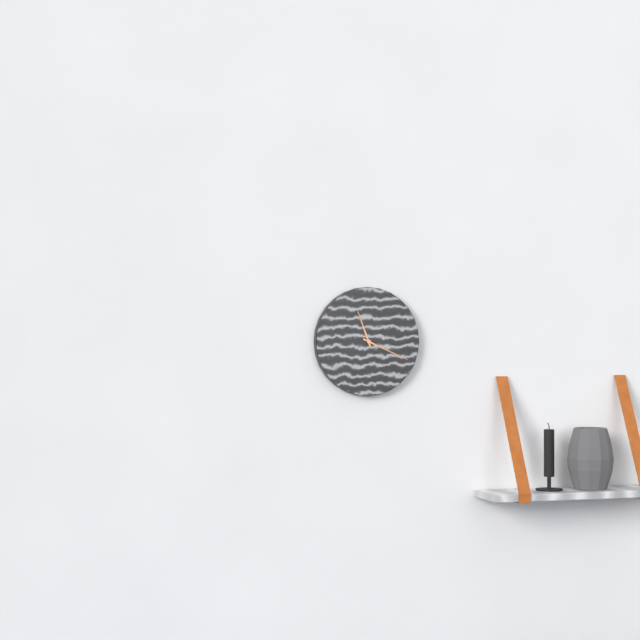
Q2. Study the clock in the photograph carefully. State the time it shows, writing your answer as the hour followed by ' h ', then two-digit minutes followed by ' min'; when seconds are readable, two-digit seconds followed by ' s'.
11 h 19 min
